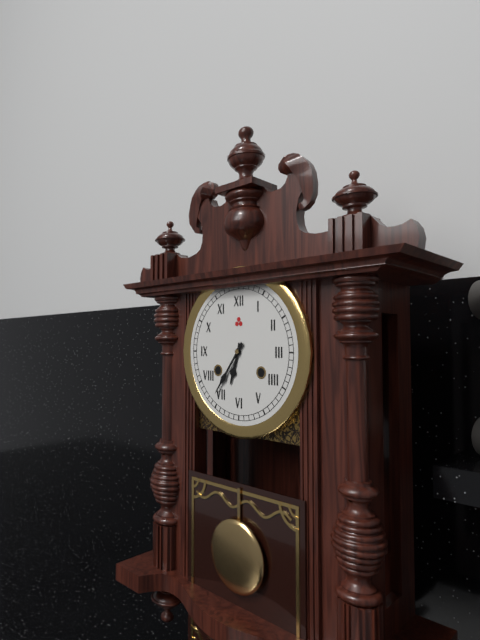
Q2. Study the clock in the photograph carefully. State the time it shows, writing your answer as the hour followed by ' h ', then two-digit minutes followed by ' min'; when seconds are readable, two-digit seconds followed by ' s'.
6 h 36 min
